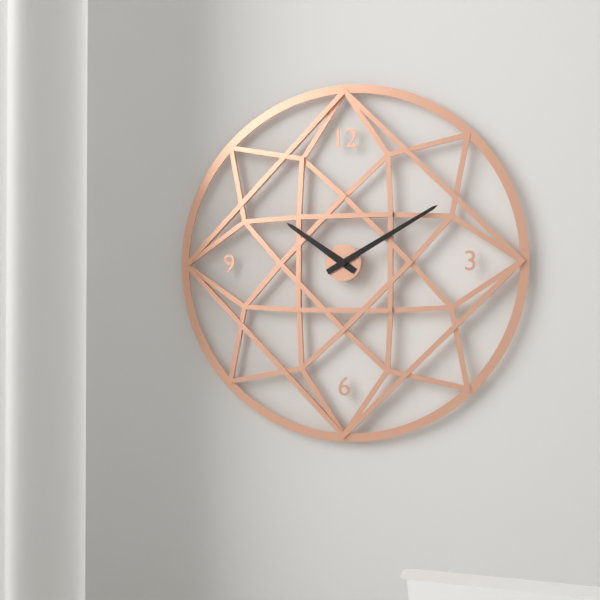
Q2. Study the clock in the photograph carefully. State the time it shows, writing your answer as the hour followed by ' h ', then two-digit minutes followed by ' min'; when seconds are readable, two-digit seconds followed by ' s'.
10 h 10 min
